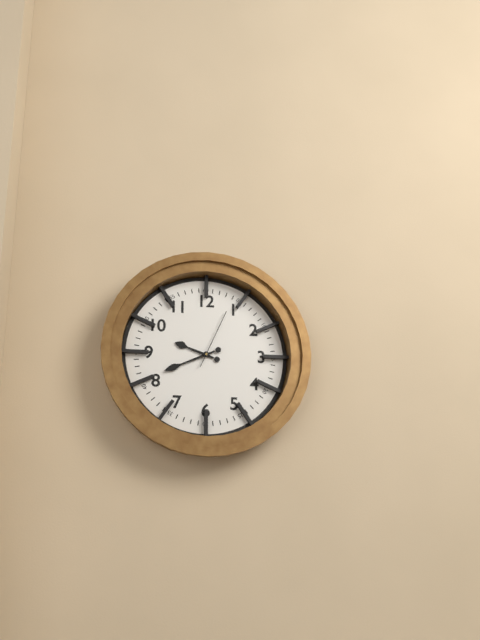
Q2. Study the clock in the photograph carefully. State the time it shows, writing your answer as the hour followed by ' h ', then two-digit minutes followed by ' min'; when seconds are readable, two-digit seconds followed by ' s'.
9 h 41 min 04 s
